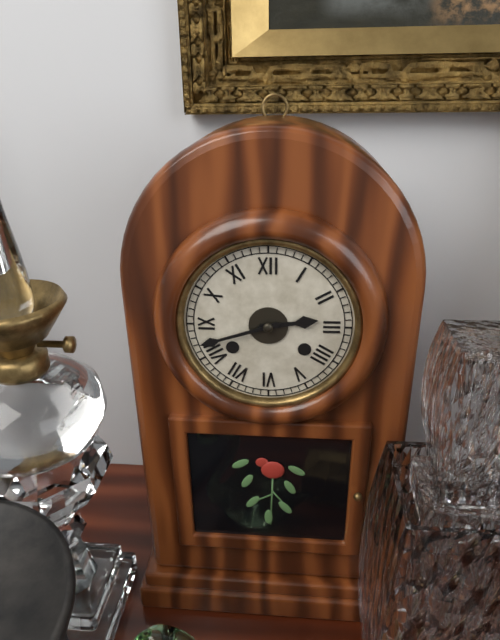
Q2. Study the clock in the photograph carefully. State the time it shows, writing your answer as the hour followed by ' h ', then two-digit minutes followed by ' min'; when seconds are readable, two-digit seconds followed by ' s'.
2 h 42 min
